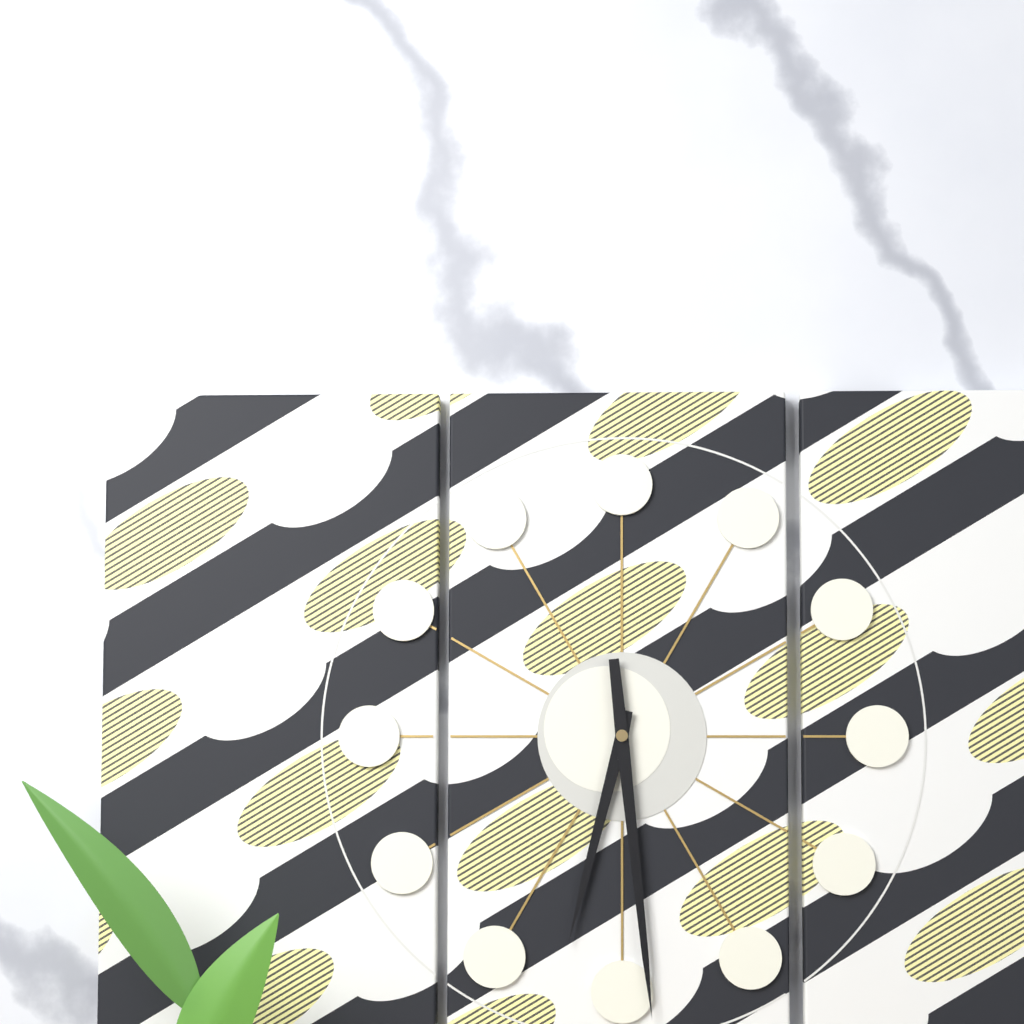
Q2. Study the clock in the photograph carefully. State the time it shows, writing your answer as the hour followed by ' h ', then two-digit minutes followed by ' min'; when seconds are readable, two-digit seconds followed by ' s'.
6 h 29 min
